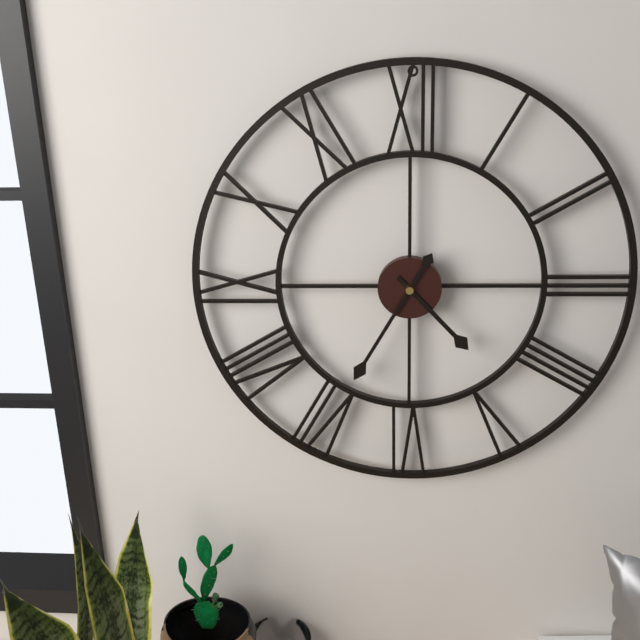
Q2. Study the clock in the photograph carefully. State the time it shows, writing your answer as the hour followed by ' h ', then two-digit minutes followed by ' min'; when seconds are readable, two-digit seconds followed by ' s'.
4 h 35 min
